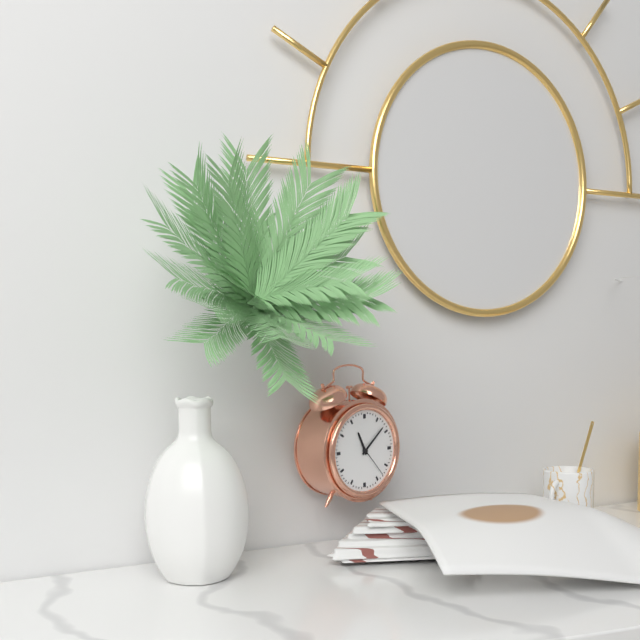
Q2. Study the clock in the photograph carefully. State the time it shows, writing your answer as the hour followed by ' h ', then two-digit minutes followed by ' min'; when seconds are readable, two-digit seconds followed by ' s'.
11 h 08 min
